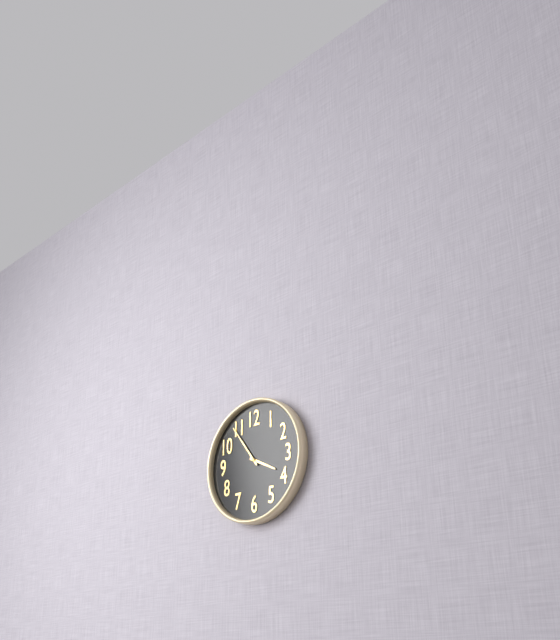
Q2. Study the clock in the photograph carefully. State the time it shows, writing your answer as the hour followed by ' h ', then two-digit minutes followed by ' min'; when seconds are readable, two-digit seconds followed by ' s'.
3 h 54 min
